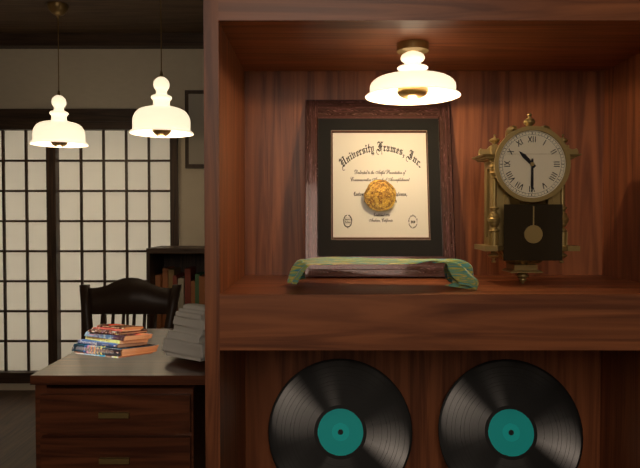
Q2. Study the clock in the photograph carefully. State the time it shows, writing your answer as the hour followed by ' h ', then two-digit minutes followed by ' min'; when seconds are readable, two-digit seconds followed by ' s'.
10 h 30 min
